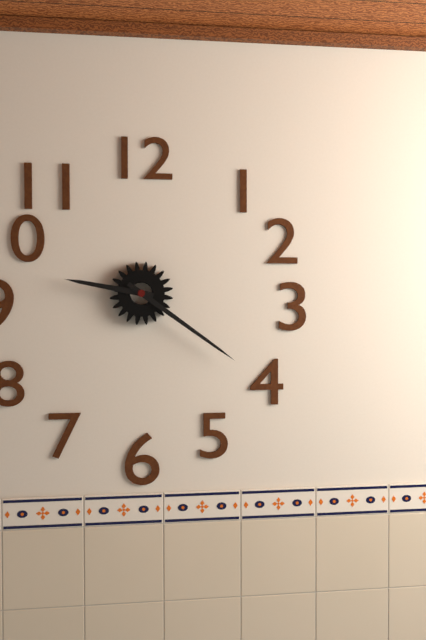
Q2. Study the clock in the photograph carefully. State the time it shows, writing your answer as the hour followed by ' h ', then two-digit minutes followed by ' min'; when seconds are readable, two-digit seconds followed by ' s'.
9 h 21 min
